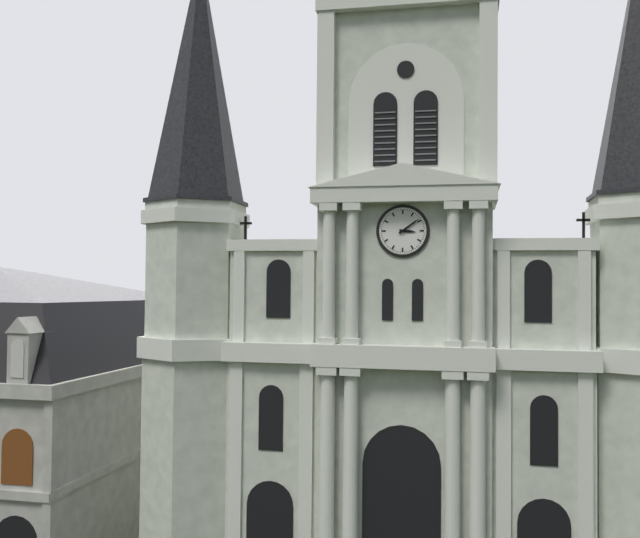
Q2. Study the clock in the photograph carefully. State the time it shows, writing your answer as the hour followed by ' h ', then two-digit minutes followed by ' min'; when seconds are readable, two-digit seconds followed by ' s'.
3 h 09 min
